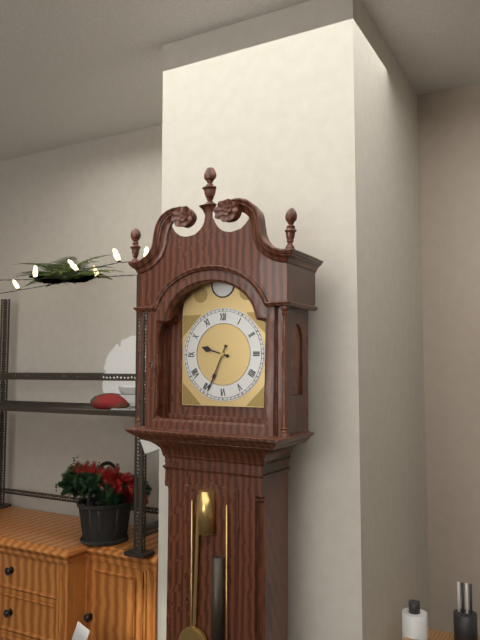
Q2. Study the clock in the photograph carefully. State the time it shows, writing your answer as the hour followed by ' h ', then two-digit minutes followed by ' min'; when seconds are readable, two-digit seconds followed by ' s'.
9 h 34 min
